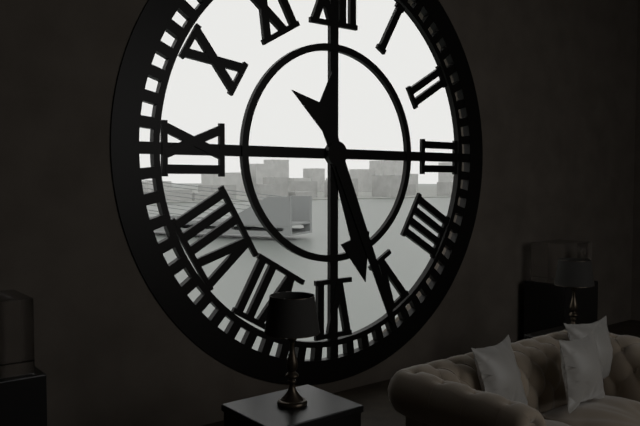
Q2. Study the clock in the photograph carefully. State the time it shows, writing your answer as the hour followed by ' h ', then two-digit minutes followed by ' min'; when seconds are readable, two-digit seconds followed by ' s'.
5 h 26 min
